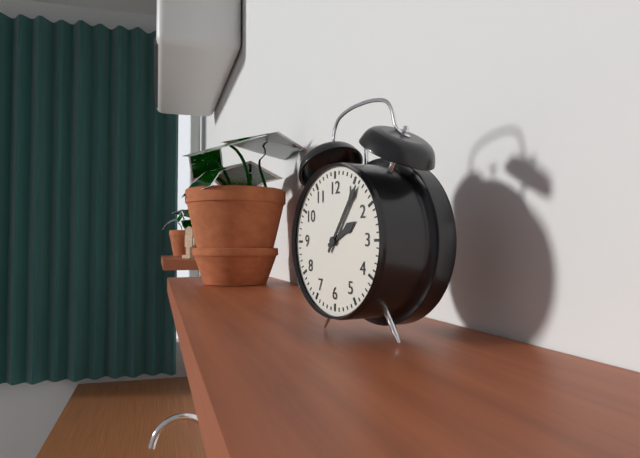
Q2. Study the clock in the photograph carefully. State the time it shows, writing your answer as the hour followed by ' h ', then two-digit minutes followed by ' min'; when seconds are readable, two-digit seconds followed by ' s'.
2 h 06 min
